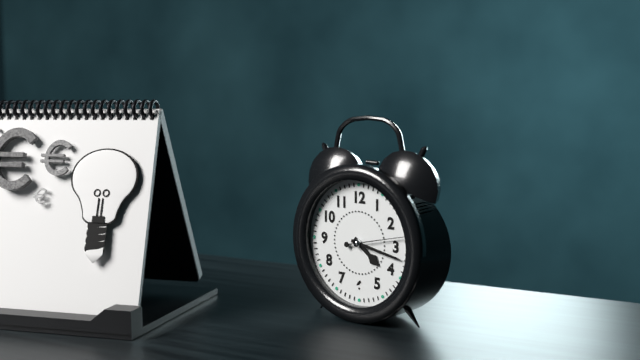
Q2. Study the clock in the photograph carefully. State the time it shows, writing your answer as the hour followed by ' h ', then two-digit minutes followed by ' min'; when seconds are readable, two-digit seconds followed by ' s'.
4 h 17 min 13 s
